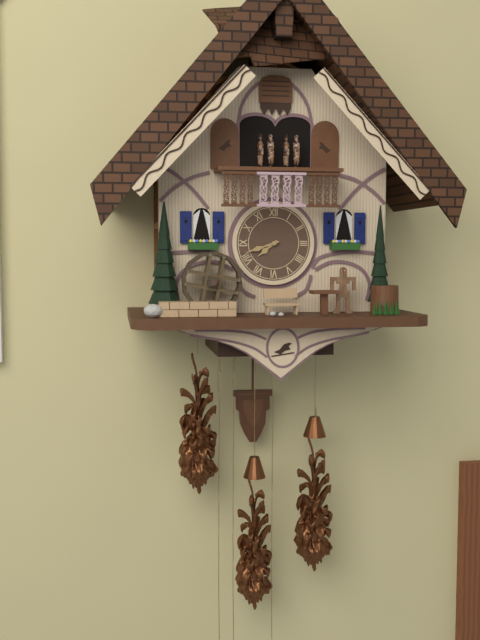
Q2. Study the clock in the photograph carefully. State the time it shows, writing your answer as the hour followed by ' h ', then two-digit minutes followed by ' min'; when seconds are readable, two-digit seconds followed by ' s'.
7 h 42 min
